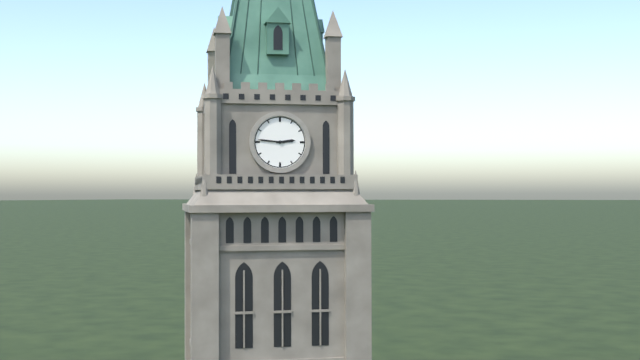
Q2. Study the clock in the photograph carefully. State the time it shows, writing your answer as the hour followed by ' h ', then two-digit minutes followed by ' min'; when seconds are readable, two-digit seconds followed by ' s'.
2 h 46 min
